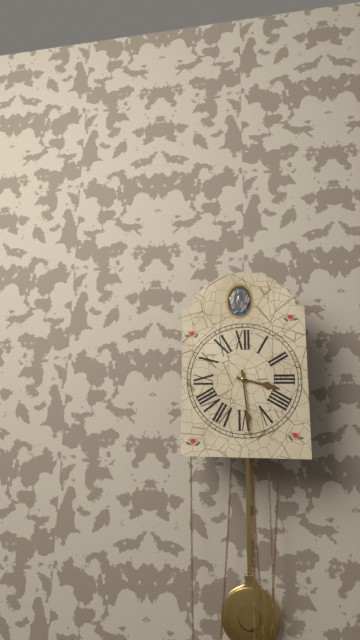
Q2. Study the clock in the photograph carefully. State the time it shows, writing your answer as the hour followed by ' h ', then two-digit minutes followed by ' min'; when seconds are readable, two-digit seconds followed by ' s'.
3 h 29 min
